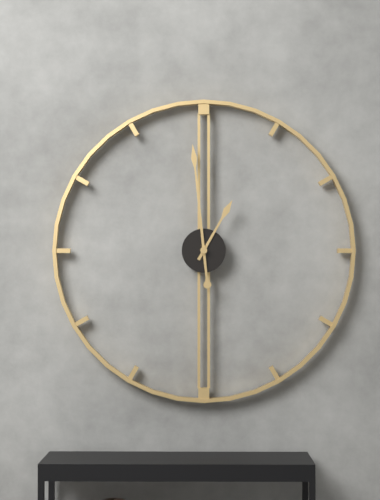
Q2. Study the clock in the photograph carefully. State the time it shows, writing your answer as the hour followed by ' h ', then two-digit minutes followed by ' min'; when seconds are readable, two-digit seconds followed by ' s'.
12 h 59 min
